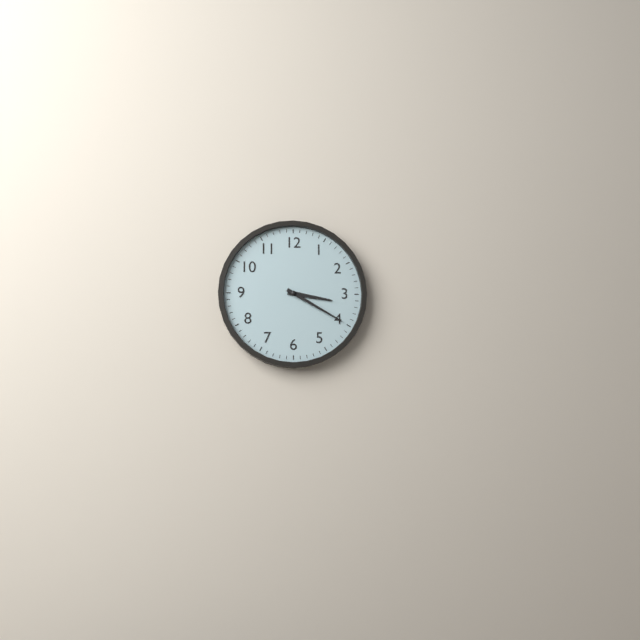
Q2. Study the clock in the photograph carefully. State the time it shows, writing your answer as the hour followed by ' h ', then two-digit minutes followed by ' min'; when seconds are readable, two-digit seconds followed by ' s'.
3 h 20 min
